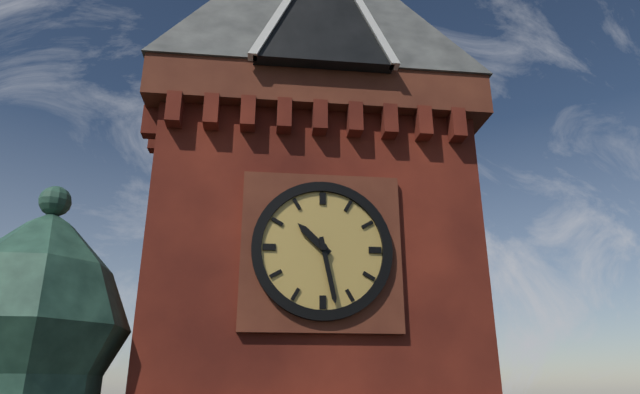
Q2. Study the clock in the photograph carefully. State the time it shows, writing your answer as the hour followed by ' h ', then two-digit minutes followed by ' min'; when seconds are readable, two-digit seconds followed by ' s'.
10 h 28 min
